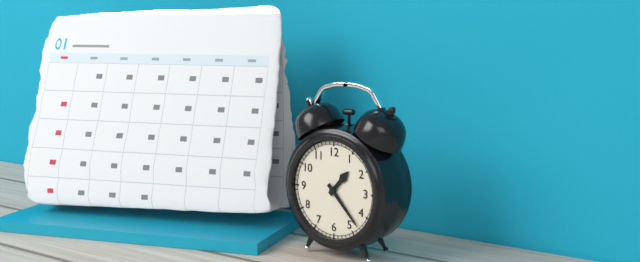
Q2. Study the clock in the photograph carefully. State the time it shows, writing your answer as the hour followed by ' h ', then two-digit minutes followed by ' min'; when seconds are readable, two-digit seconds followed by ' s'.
1 h 23 min
